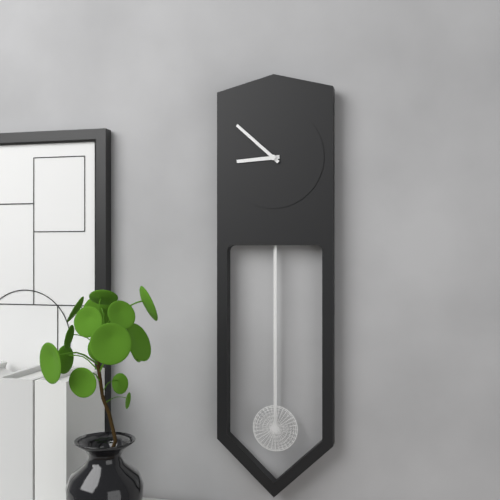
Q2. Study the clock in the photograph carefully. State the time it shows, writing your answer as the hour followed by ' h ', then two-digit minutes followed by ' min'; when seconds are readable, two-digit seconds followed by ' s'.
8 h 52 min
